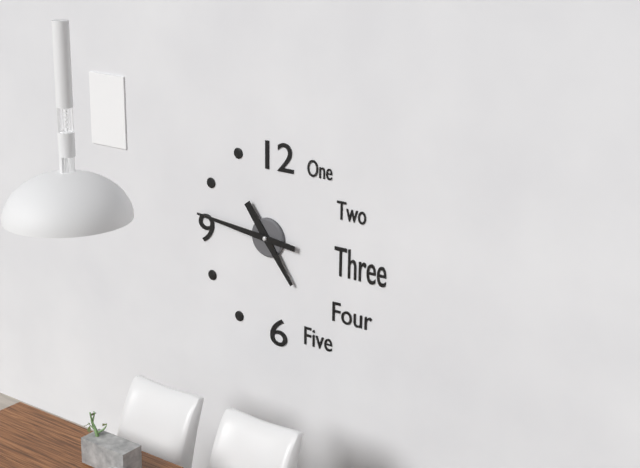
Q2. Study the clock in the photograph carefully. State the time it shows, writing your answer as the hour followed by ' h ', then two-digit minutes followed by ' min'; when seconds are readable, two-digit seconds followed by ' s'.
4 h 46 min
